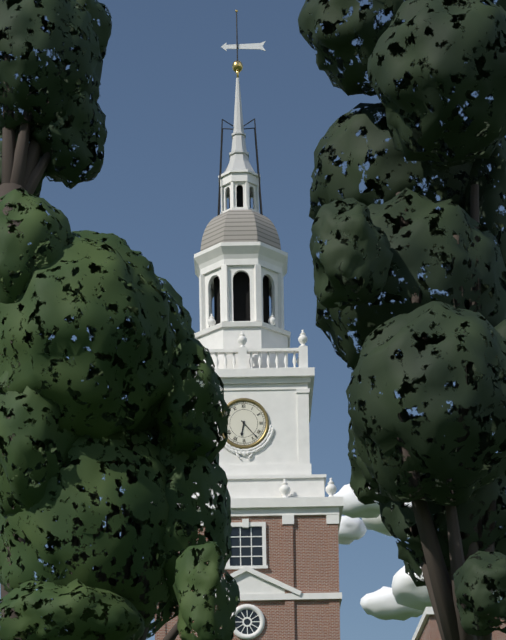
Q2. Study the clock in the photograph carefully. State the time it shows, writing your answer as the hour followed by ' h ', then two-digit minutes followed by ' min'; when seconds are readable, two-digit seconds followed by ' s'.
6 h 23 min
